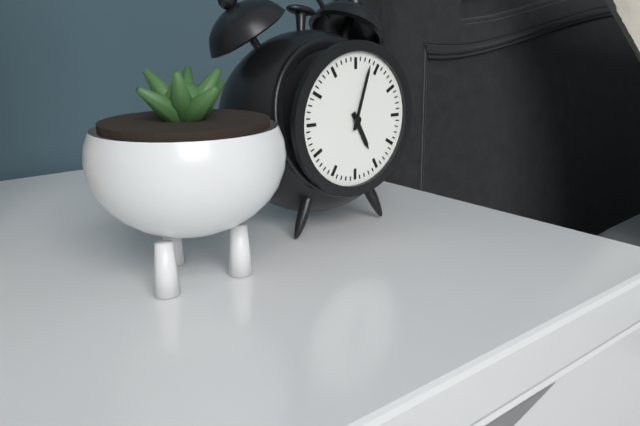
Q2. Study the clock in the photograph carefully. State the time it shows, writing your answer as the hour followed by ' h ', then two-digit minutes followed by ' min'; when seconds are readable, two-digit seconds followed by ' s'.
5 h 03 min
